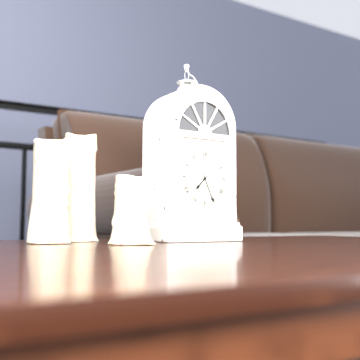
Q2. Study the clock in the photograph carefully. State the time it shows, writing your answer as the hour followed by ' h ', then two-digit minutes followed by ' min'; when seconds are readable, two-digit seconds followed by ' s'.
7 h 26 min
